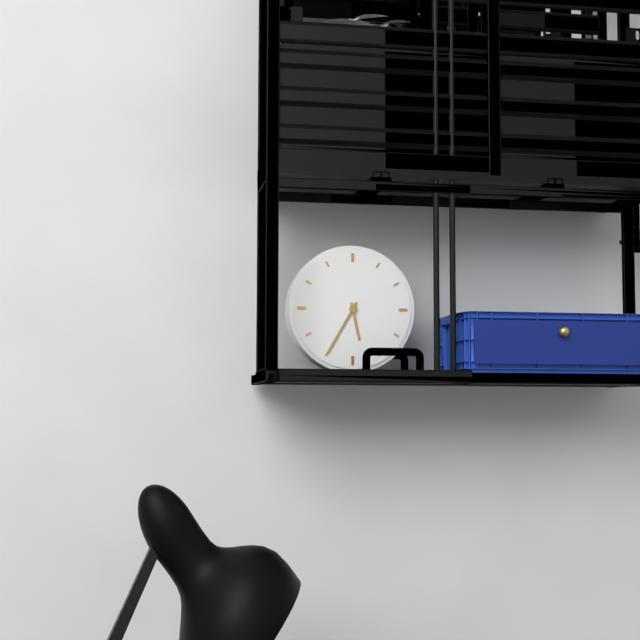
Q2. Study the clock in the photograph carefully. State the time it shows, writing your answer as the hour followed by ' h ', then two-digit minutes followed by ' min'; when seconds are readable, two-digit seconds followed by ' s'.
5 h 35 min
